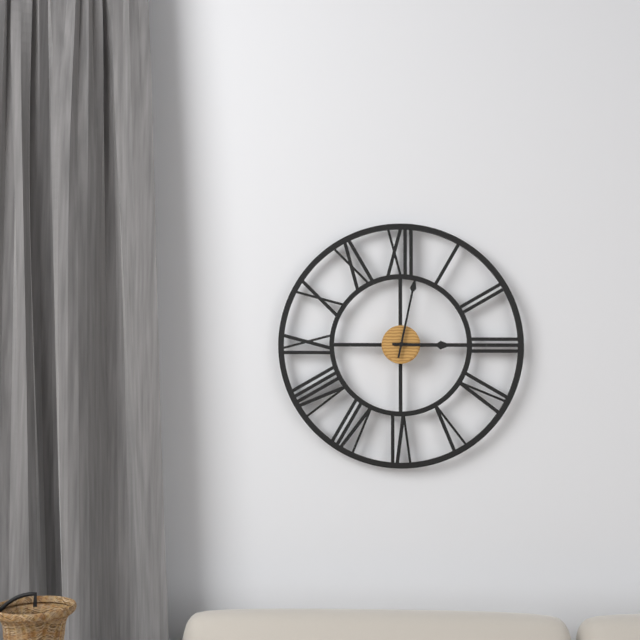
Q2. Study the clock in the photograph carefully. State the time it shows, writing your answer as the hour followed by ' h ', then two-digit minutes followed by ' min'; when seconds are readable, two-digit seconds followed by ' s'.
3 h 02 min
